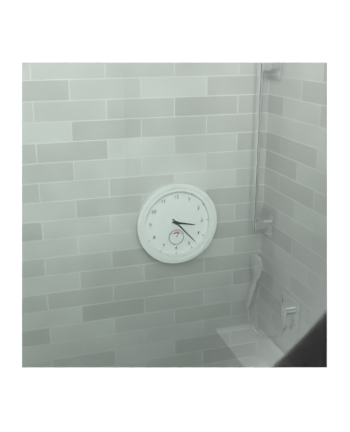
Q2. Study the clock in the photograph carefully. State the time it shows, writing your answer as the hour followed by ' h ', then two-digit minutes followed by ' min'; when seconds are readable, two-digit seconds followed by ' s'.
3 h 23 min
